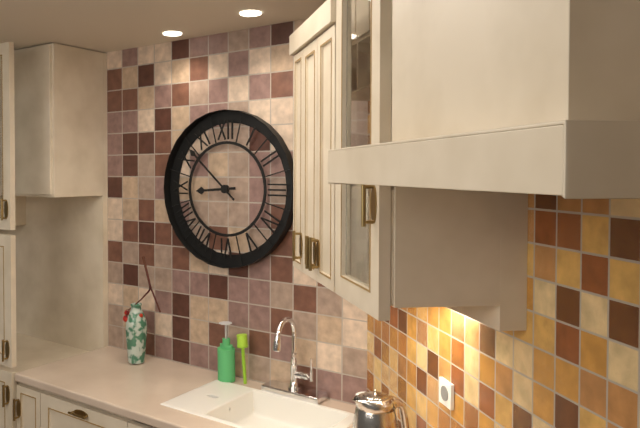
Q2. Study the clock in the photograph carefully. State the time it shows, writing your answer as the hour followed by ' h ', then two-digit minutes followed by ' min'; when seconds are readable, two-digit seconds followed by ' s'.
8 h 52 min
